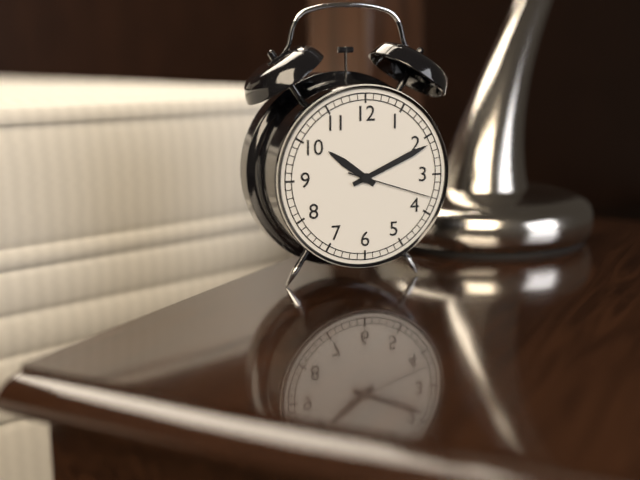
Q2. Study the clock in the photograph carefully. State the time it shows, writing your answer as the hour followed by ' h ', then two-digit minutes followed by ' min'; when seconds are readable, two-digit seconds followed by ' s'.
10 h 11 min 18 s
